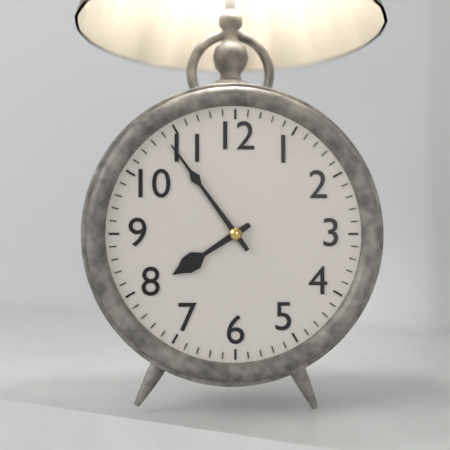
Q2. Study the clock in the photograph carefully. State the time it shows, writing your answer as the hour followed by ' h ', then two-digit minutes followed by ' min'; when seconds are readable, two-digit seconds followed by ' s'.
7 h 54 min
